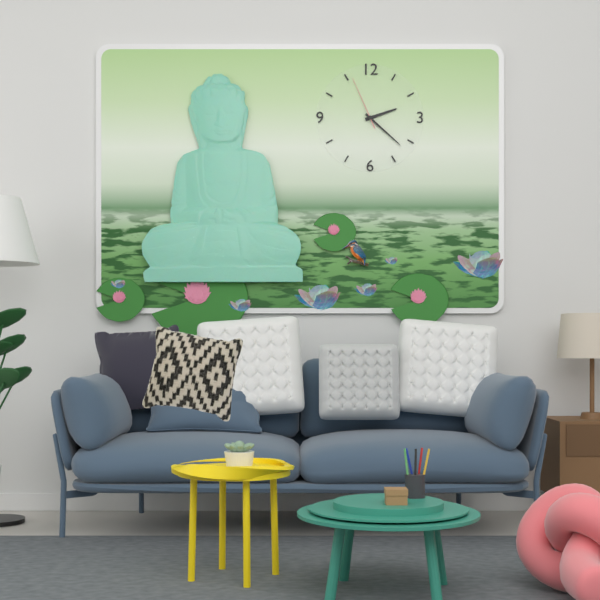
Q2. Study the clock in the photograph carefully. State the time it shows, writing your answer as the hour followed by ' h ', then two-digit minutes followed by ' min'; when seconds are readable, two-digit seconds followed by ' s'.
2 h 22 min 56 s
